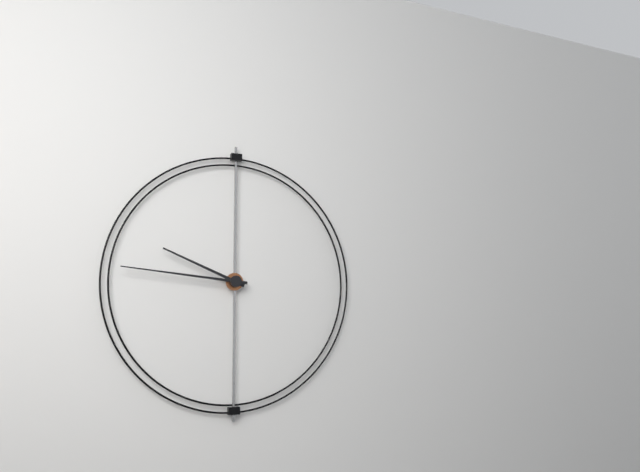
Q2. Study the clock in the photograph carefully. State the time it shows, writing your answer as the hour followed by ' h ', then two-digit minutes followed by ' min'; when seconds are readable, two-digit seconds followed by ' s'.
9 h 46 min
